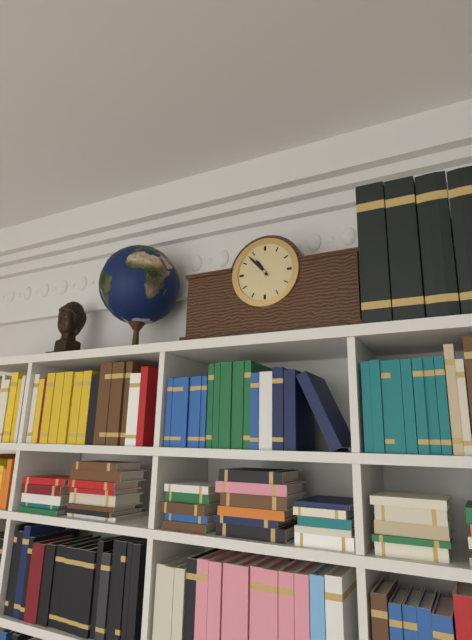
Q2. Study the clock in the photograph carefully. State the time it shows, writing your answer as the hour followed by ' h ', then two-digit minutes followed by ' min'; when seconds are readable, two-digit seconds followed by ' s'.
10 h 53 min
